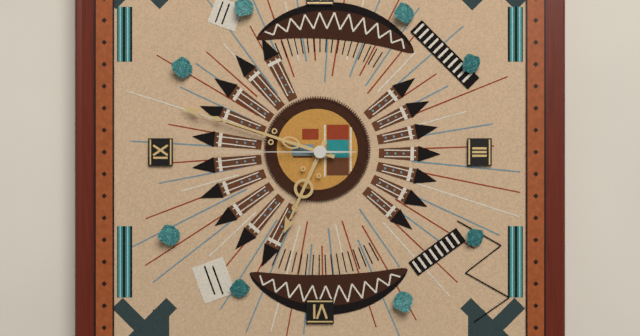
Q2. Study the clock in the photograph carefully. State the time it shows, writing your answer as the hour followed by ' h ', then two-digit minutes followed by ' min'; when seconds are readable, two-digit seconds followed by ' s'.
6 h 48 min 45 s
